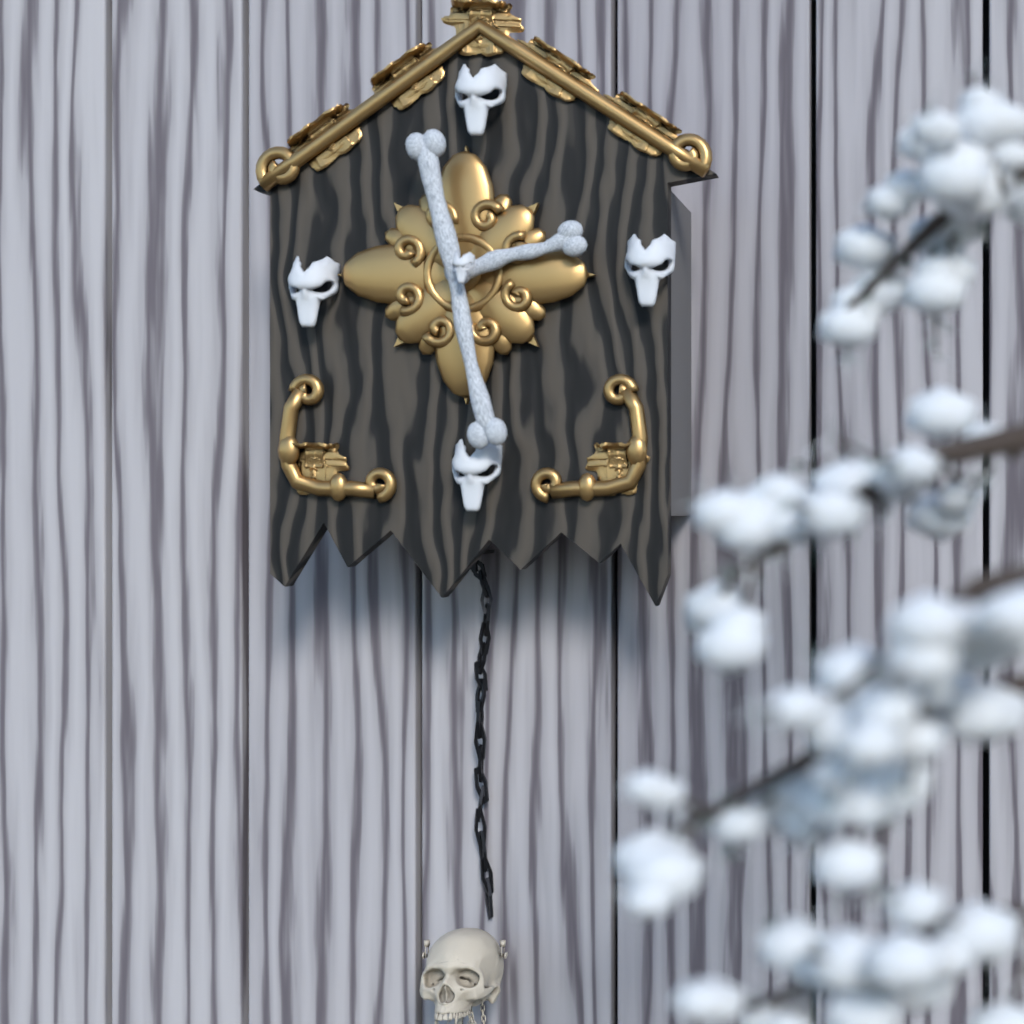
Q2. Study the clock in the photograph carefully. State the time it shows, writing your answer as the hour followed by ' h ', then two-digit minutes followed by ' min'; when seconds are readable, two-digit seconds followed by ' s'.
2 h 28 min
